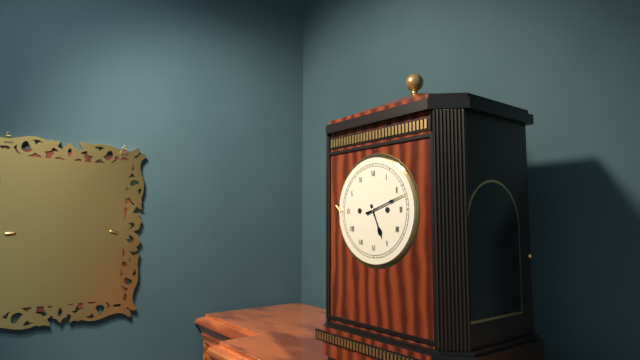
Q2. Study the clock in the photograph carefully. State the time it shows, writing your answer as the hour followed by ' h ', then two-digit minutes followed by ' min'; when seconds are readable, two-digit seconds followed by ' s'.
5 h 12 min
